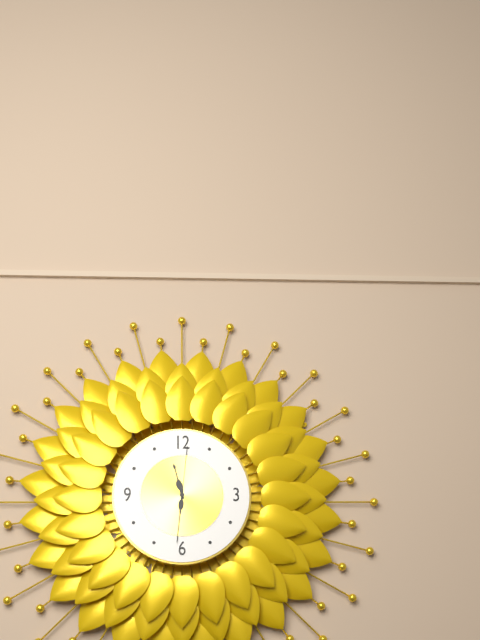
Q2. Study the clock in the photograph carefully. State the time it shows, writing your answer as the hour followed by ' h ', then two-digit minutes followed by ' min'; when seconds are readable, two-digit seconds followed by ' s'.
11 h 31 min 01 s
